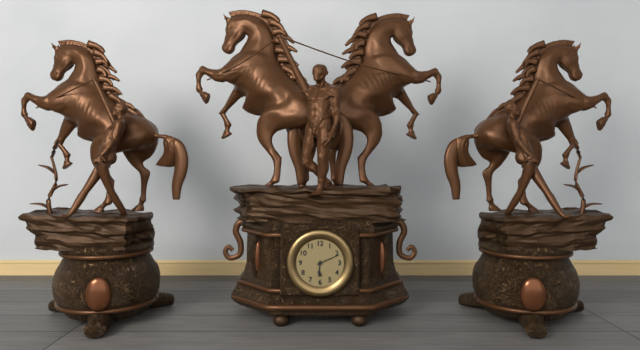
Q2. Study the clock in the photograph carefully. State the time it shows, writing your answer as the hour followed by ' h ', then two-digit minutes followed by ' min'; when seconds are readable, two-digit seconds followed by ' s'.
6 h 11 min
